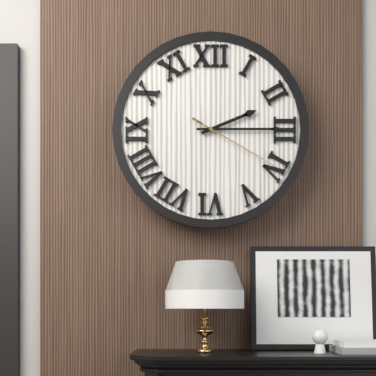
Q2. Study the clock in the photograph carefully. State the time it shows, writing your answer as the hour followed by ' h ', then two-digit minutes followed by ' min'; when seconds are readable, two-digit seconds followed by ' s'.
2 h 15 min 20 s
